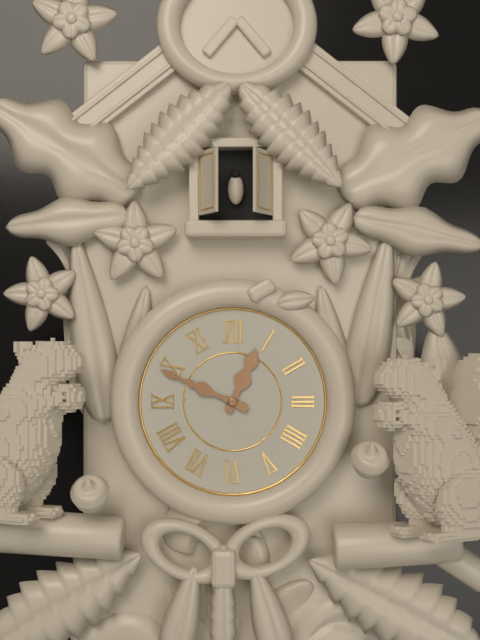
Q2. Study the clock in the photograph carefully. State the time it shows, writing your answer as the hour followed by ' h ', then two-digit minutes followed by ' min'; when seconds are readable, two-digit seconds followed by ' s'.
12 h 49 min
